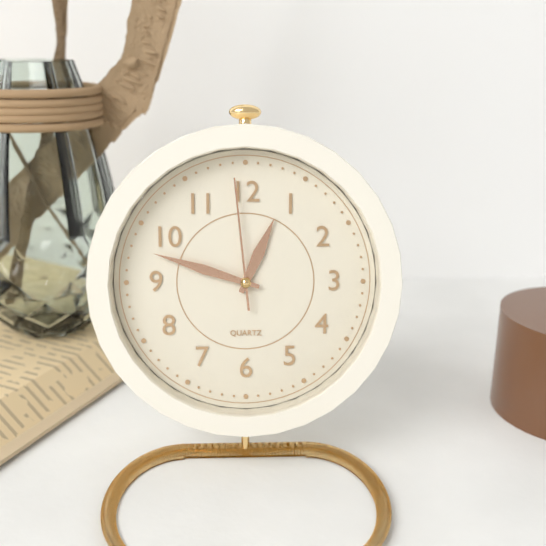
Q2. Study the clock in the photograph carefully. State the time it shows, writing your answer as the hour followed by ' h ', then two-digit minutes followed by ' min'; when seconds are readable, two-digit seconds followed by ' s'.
12 h 48 min 59 s
